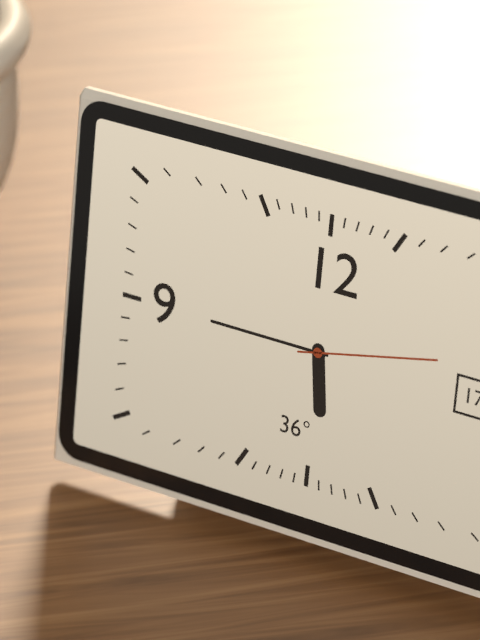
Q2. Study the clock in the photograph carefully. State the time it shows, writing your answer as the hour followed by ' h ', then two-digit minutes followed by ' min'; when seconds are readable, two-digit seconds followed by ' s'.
5 h 45 min 13 s
